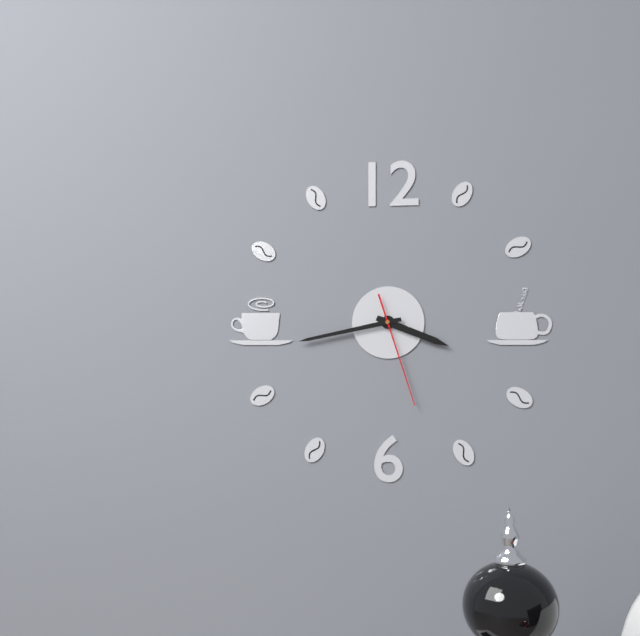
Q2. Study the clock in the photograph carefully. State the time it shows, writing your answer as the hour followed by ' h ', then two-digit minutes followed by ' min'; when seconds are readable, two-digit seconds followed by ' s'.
3 h 43 min 27 s
